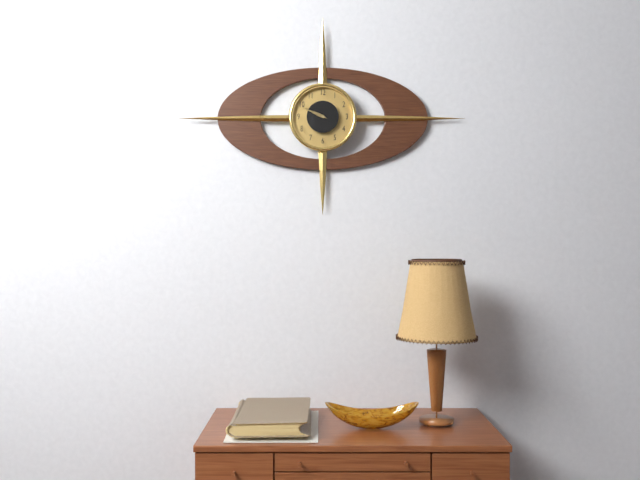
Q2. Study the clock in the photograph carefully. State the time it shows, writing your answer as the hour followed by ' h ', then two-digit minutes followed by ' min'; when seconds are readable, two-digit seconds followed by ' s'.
9 h 49 min
